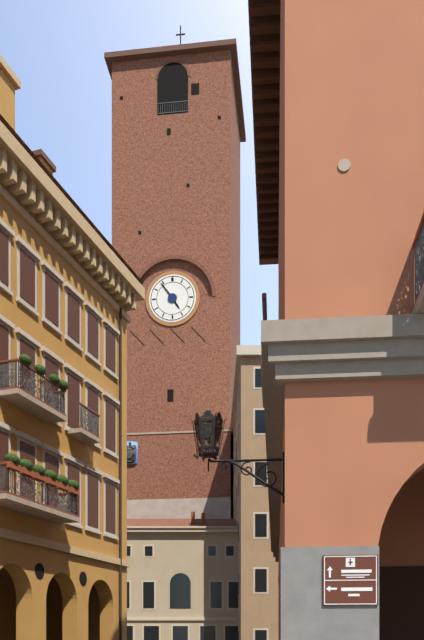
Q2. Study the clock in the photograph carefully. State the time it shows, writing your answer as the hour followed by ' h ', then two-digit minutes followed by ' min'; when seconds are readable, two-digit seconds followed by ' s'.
4 h 54 min
